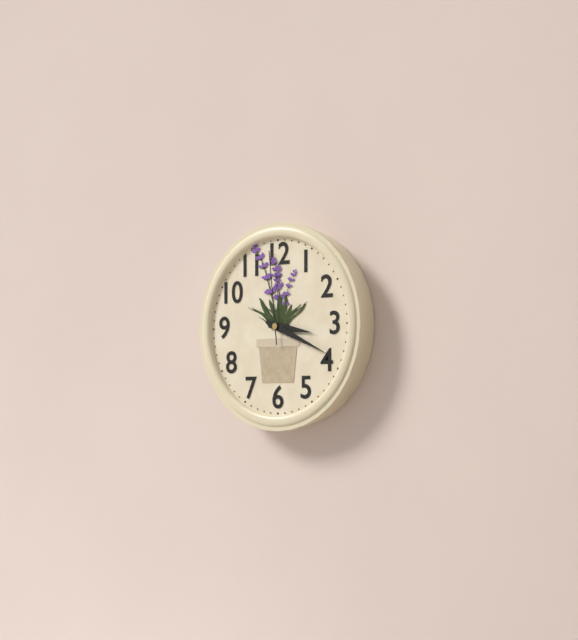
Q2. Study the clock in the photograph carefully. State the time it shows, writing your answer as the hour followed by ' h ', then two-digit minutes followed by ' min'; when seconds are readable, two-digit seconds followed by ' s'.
3 h 19 min 59 s
